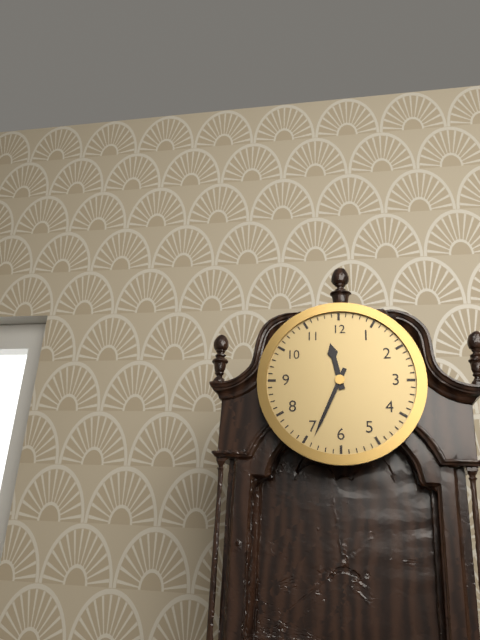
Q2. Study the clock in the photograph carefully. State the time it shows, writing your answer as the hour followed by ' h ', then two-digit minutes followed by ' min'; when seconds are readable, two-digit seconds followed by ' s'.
11 h 34 min
